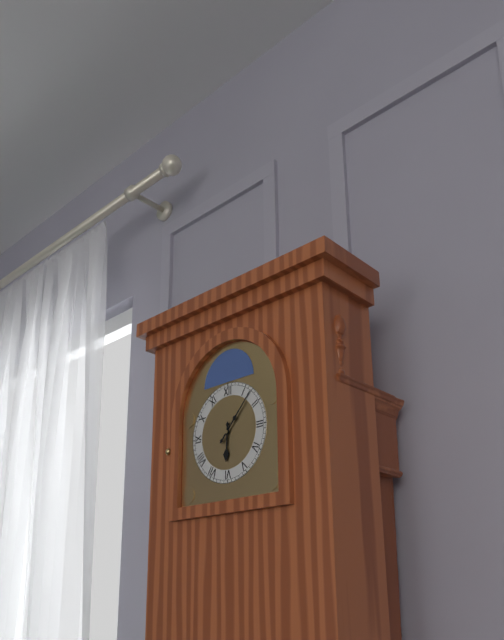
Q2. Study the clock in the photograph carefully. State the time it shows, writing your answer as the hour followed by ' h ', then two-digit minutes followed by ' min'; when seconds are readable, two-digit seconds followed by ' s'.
6 h 07 min
